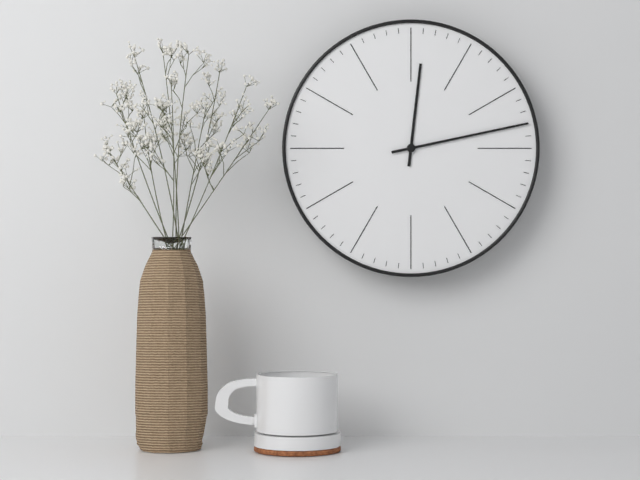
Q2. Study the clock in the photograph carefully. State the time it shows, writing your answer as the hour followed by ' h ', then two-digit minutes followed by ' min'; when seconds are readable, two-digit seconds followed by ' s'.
12 h 13 min
